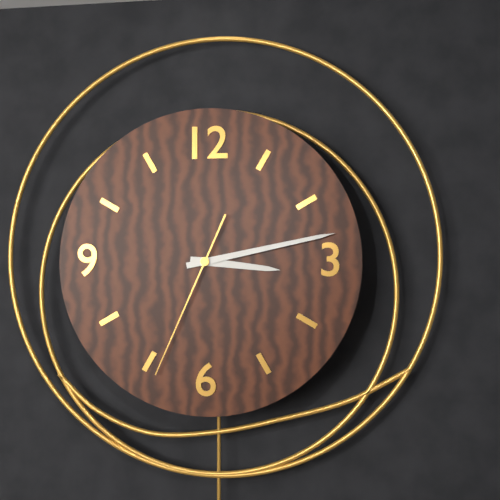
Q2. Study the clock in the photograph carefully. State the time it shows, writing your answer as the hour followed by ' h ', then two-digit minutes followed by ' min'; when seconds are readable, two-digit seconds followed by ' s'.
3 h 13 min 34 s
